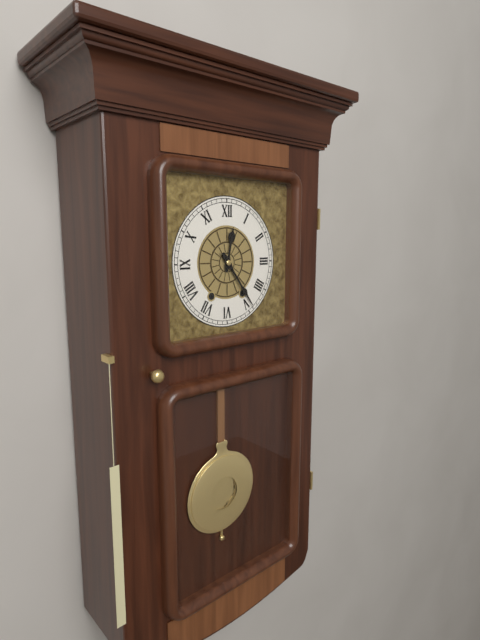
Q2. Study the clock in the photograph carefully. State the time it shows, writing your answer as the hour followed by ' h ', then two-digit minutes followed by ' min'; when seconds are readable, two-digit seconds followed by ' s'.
12 h 24 min
